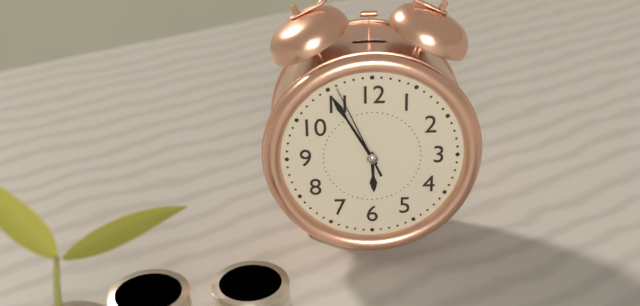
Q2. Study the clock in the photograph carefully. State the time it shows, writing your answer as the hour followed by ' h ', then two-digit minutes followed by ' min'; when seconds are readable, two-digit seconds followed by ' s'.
5 h 55 min 56 s
